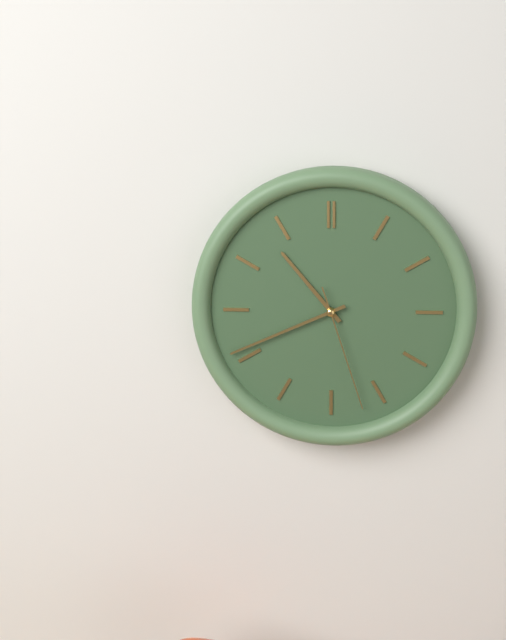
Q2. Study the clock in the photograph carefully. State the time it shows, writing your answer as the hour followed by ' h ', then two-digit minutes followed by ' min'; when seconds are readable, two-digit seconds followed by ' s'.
10 h 41 min 27 s
